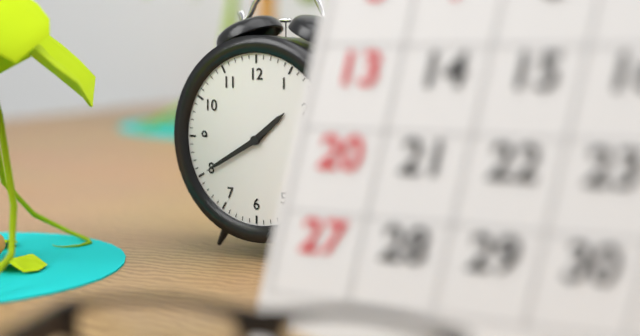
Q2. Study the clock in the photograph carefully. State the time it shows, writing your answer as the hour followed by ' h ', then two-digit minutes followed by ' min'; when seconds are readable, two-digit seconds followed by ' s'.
1 h 40 min
